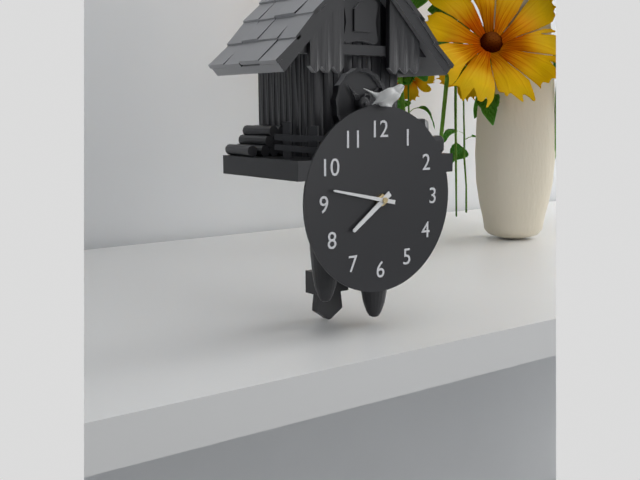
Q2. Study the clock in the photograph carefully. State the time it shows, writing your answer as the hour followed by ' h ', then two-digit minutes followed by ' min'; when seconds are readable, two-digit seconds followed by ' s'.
7 h 47 min
